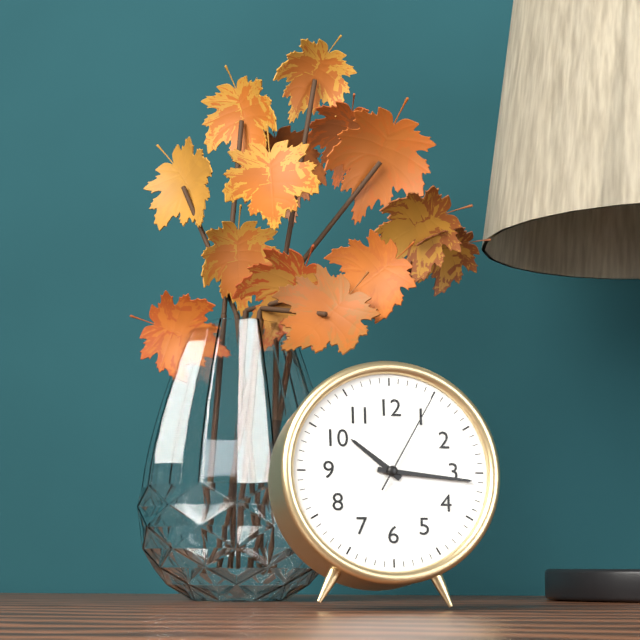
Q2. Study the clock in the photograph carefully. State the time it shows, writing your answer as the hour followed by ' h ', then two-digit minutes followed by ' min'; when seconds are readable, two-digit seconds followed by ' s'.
10 h 16 min 05 s
